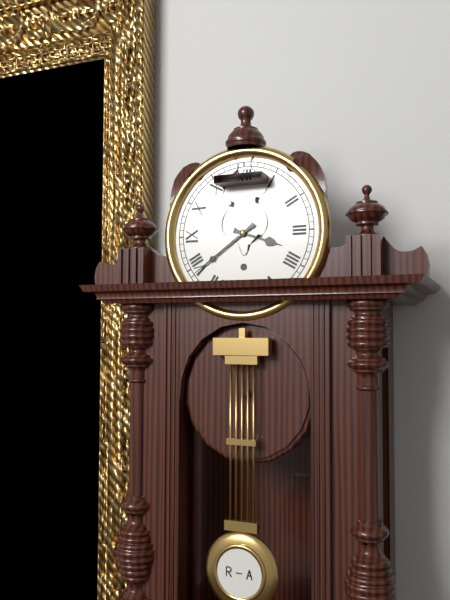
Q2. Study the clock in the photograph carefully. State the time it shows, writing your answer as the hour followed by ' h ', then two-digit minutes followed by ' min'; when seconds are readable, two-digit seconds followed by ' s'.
3 h 39 min
